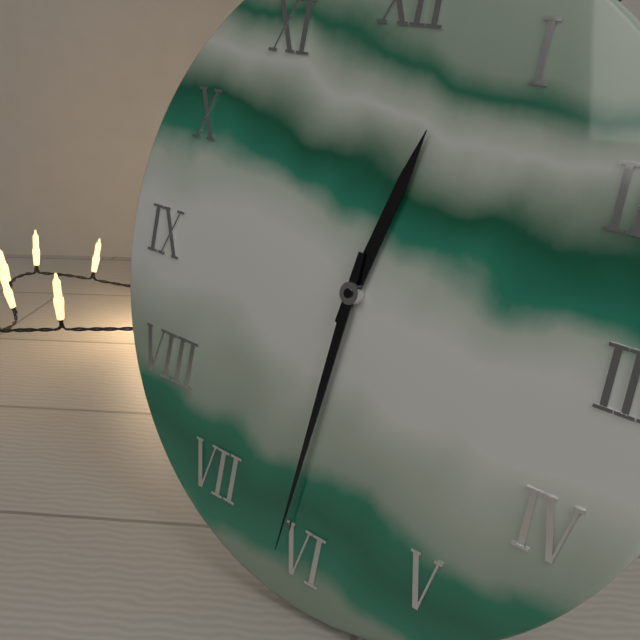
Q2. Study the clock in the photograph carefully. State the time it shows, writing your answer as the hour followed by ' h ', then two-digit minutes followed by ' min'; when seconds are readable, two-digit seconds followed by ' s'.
12 h 31 min
